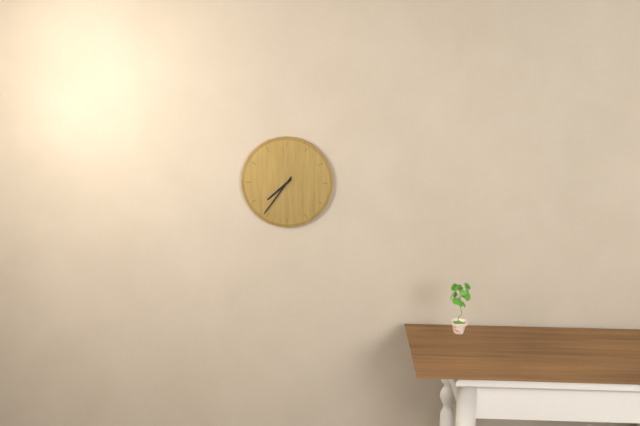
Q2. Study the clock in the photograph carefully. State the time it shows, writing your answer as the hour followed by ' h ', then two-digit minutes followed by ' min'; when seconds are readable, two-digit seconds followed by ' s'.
7 h 36 min
